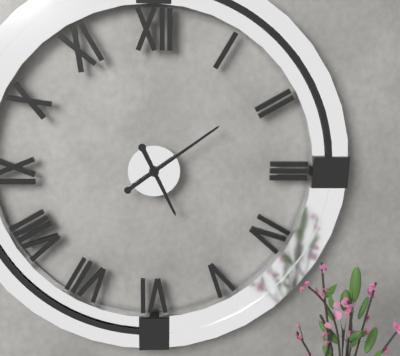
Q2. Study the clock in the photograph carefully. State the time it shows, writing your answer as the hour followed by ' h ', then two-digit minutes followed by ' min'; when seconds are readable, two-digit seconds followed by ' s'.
5 h 09 min
